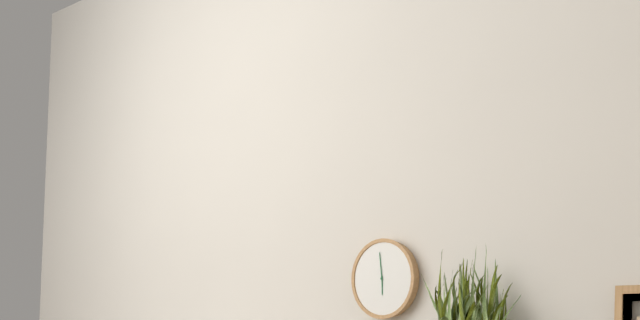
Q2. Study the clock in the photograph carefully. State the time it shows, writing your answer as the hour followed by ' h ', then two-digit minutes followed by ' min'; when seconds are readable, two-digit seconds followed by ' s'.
5 h 59 min
